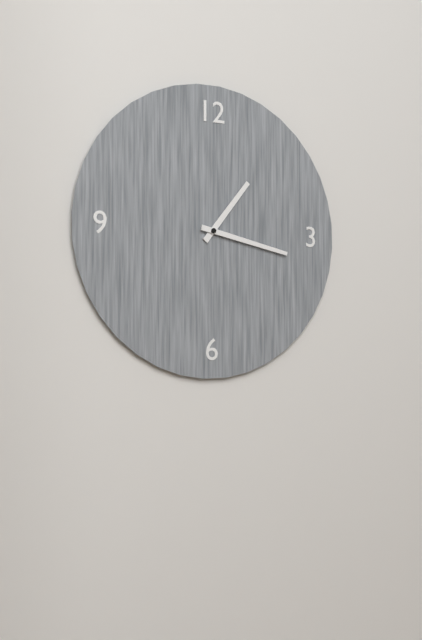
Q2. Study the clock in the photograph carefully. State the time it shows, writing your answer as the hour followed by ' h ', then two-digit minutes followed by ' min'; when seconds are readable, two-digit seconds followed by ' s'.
1 h 17 min
